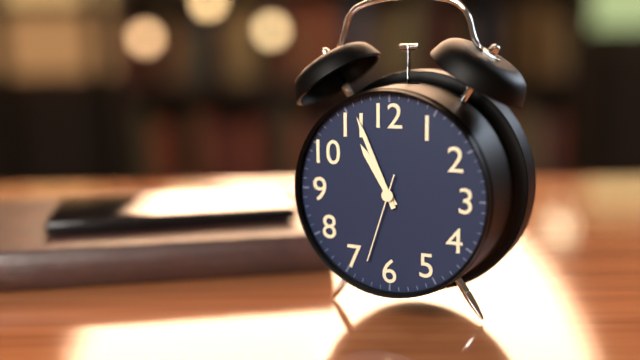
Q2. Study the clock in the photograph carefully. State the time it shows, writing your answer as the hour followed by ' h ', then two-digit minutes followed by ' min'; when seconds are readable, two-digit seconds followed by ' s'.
10 h 56 min 33 s
